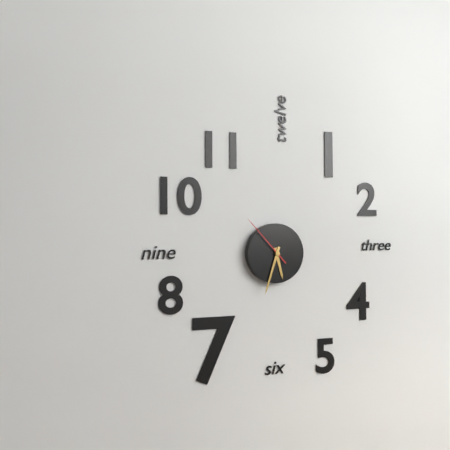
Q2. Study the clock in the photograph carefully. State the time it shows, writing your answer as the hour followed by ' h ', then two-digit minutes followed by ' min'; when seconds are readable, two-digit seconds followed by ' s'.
5 h 33 min 53 s
